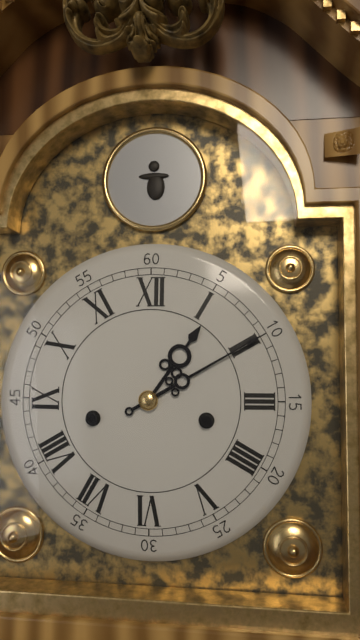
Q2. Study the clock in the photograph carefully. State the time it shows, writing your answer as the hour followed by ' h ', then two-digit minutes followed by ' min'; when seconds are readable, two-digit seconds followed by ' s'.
1 h 10 min
